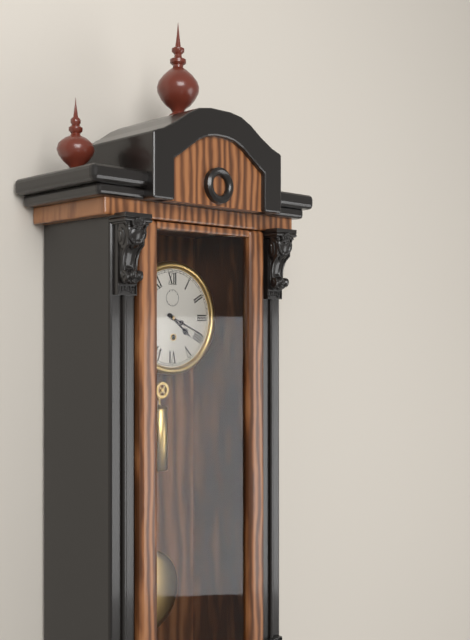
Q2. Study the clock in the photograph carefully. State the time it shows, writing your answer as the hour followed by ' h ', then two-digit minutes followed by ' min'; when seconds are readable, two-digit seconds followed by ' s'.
4 h 19 min
